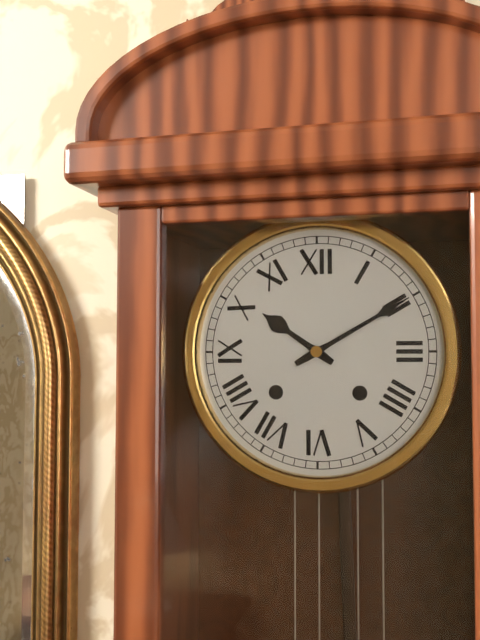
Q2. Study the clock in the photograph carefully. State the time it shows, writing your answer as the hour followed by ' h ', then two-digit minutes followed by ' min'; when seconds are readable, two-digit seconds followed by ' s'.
10 h 10 min
